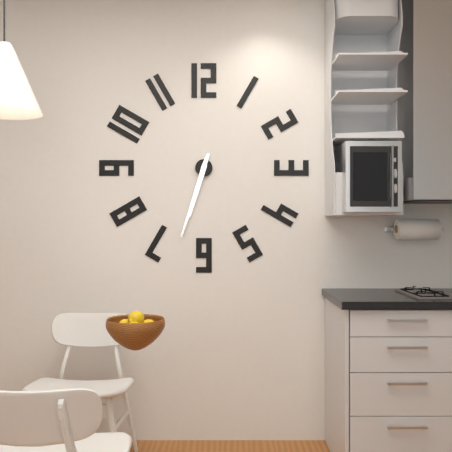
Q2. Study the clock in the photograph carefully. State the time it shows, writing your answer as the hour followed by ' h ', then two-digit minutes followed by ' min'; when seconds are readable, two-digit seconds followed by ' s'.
6 h 33 min
